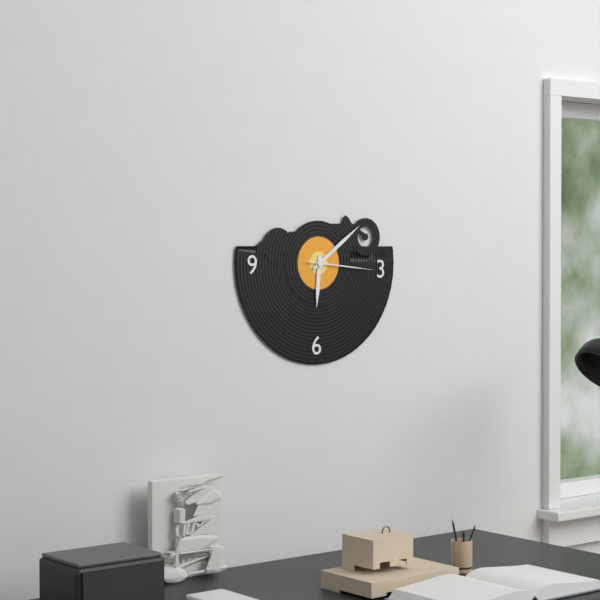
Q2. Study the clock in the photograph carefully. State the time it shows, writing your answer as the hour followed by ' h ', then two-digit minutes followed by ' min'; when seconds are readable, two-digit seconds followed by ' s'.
6 h 09 min 16 s
